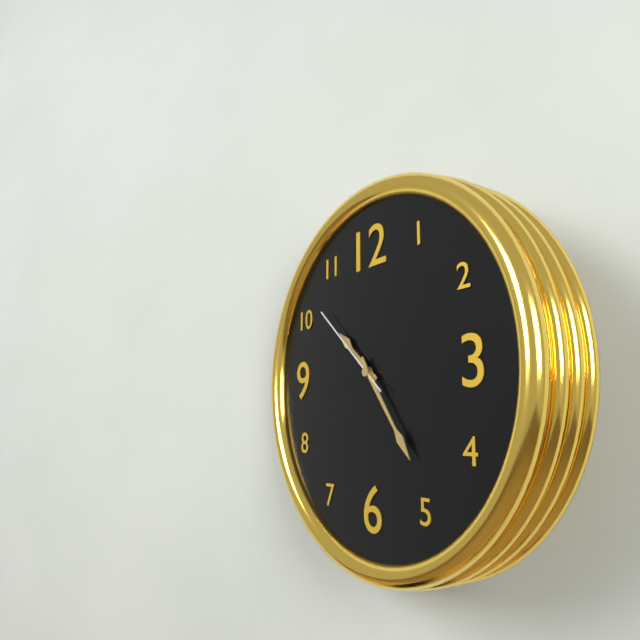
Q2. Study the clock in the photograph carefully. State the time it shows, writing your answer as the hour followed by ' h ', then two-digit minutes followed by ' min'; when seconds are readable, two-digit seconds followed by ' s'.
10 h 24 min 52 s
